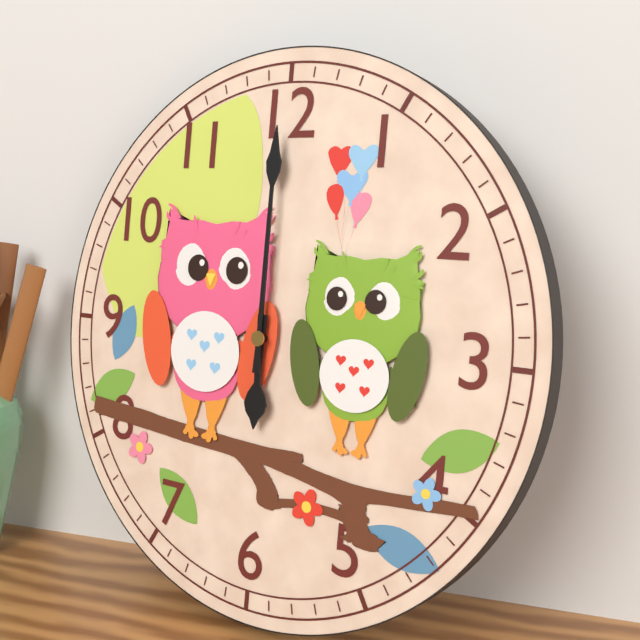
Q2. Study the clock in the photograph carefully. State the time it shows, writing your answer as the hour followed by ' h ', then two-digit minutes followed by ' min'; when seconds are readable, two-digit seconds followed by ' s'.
6 h 00 min
